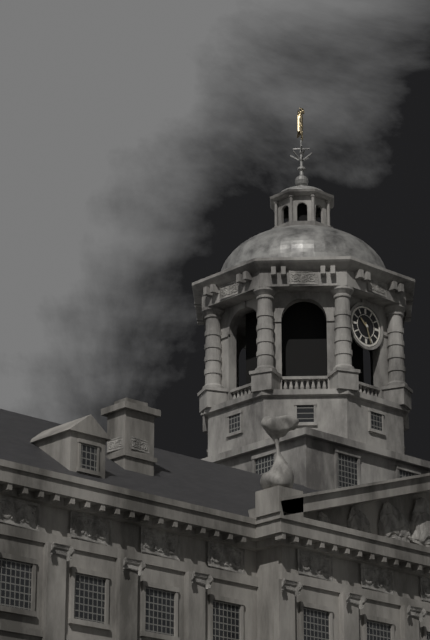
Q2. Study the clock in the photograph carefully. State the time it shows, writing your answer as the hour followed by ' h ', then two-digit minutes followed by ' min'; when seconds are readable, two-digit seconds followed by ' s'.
10 h 27 min
